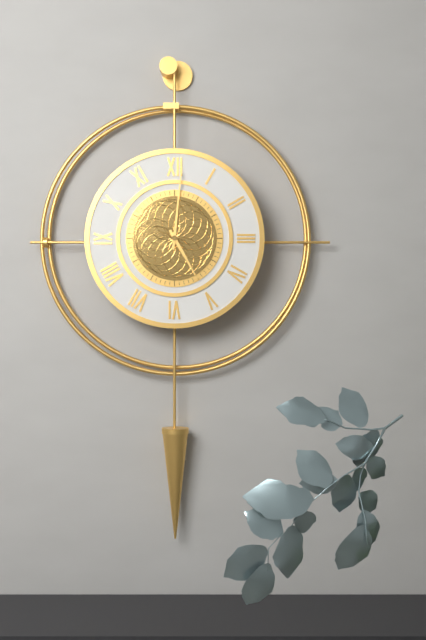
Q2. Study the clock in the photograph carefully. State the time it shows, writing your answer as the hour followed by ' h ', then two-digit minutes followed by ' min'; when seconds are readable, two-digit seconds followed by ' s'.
5 h 01 min
